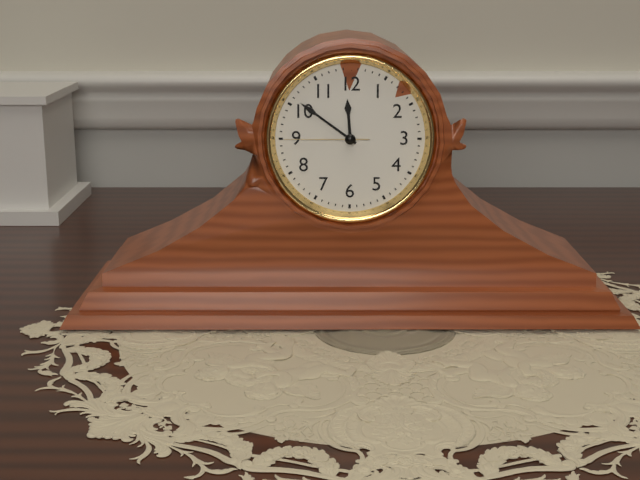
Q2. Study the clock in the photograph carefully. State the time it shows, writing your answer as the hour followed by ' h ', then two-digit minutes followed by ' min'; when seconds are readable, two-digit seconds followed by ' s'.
11 h 51 min 45 s
